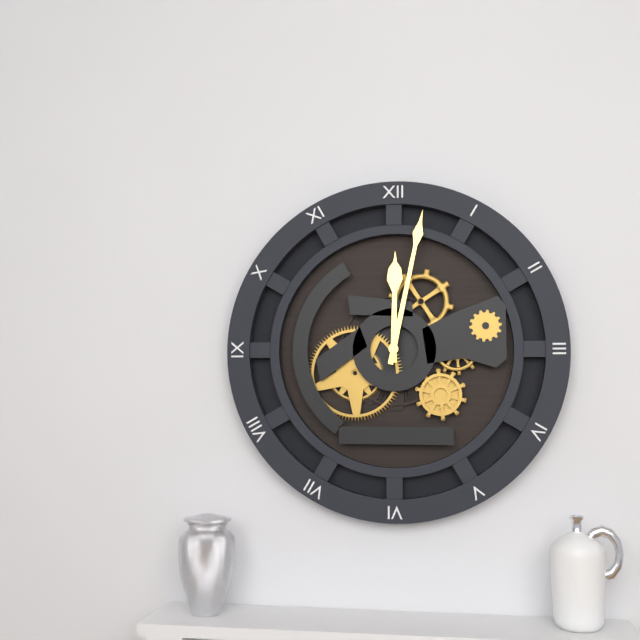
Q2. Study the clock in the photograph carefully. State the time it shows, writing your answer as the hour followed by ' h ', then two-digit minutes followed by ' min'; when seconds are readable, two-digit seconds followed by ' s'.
12 h 02 min
